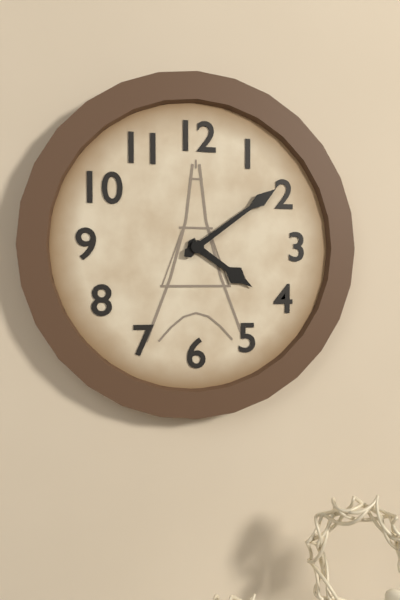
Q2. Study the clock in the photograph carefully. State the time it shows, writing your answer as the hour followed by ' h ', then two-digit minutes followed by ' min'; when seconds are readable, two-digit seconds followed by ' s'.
4 h 09 min
